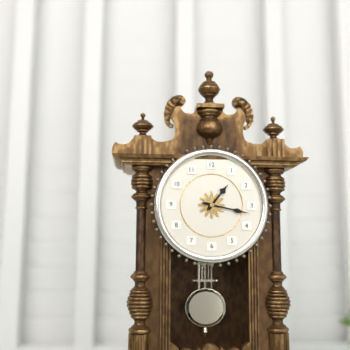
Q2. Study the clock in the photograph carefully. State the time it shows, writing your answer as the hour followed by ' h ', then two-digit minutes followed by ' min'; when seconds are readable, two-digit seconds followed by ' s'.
1 h 17 min
